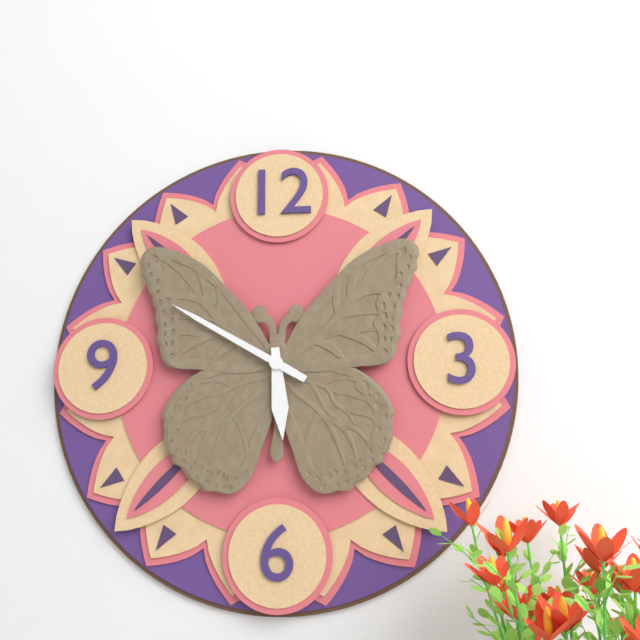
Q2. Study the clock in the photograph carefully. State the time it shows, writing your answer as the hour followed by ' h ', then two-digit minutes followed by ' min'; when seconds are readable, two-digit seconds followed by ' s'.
5 h 50 min
